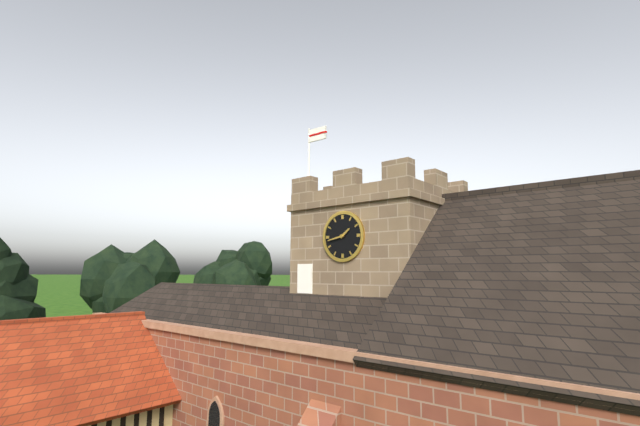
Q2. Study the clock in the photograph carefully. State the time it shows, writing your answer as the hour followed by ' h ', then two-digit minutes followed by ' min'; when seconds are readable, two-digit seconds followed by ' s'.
1 h 43 min
